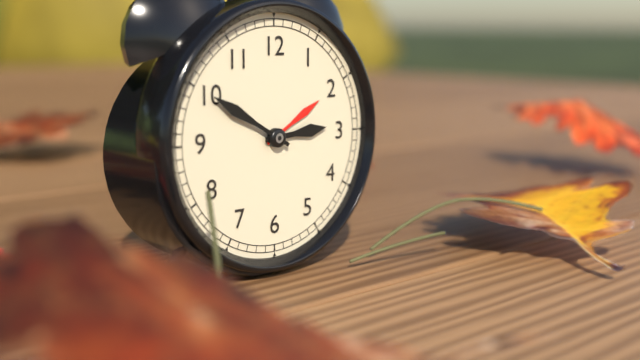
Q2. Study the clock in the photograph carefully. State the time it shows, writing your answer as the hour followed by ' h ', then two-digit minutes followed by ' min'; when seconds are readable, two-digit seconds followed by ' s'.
2 h 50 min
